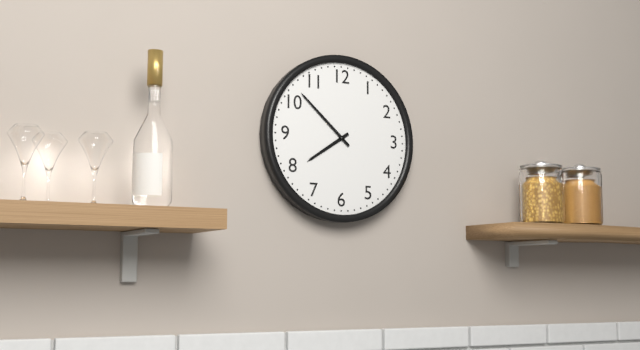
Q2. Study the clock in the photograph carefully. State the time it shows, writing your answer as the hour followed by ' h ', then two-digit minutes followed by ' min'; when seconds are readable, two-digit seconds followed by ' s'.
7 h 52 min
